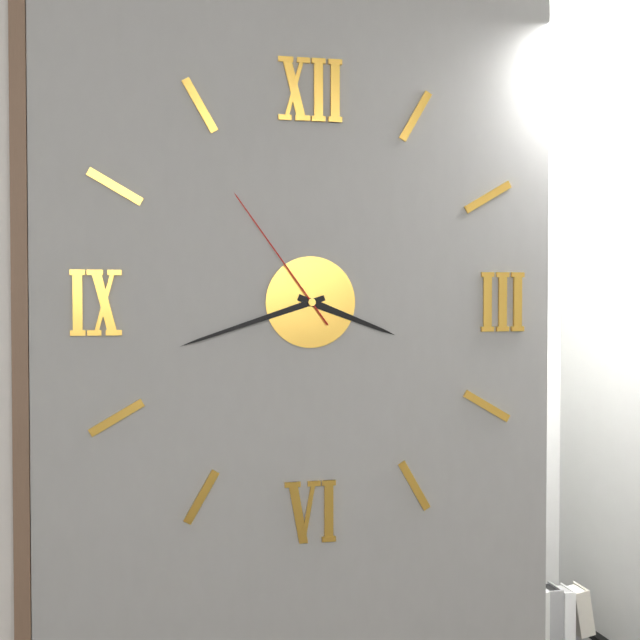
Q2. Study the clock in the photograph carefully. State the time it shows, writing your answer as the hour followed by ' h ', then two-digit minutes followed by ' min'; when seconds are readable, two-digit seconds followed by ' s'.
3 h 42 min 54 s
